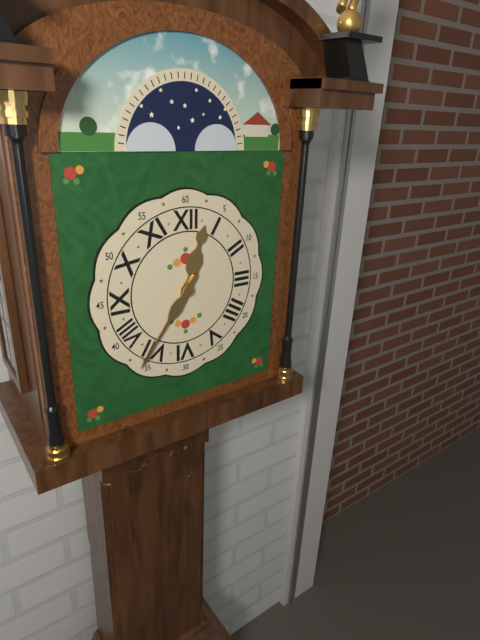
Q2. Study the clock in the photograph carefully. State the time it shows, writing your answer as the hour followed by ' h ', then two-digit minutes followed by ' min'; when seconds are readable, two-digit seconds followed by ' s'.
12 h 36 min
